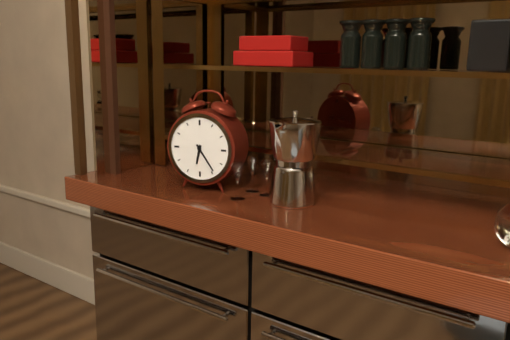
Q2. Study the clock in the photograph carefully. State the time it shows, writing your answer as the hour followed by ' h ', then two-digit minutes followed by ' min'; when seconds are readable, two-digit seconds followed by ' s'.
6 h 24 min
